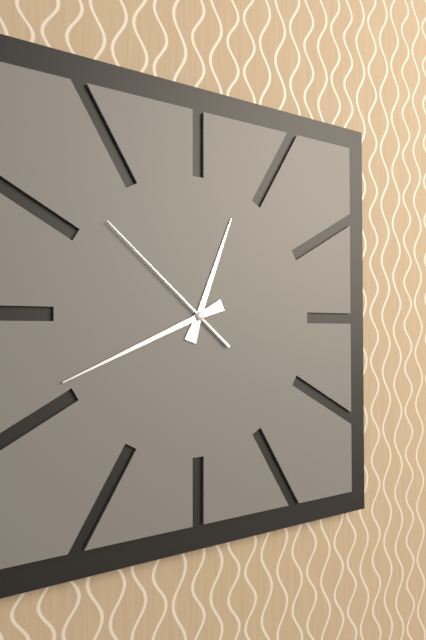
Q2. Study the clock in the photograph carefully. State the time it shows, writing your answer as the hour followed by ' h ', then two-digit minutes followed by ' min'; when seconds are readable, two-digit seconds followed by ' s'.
12 h 41 min 52 s
